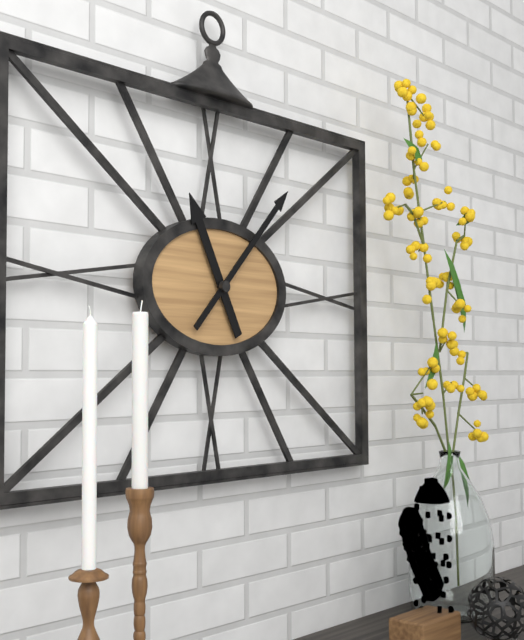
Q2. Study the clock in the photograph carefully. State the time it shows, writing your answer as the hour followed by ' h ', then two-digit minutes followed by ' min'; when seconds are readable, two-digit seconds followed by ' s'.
11 h 07 min
